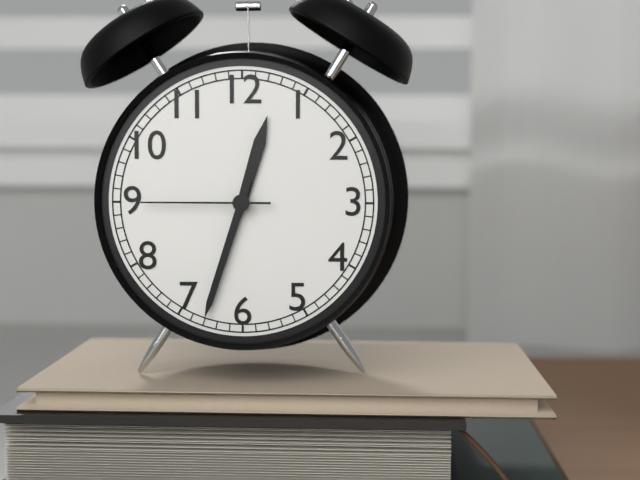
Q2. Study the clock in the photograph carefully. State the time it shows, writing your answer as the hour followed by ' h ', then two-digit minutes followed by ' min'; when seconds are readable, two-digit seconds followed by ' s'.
12 h 33 min 45 s
